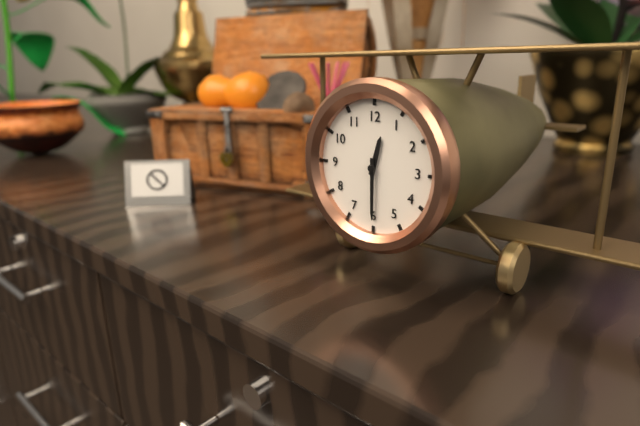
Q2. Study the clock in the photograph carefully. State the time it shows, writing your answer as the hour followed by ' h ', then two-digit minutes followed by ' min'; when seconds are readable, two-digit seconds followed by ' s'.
12 h 30 min
